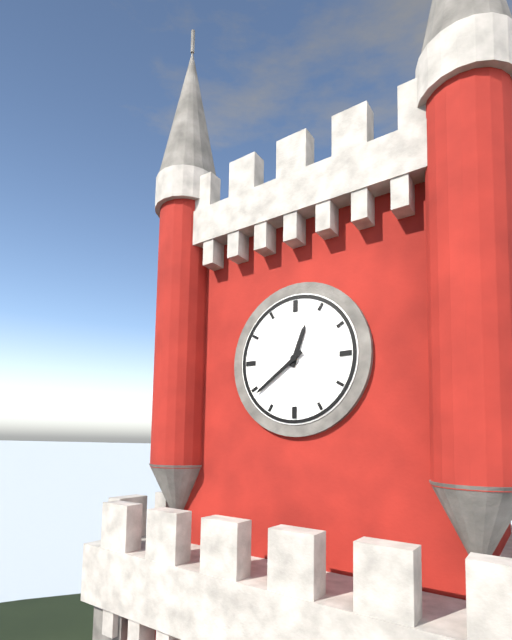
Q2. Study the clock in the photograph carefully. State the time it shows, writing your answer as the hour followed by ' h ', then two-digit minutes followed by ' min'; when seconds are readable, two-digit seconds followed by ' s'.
12 h 39 min
